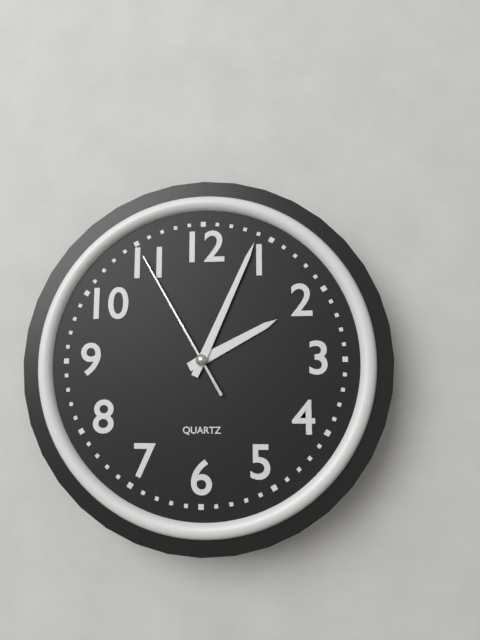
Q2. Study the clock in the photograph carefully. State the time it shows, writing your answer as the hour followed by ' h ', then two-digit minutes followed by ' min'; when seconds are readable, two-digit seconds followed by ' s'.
2 h 04 min 55 s
